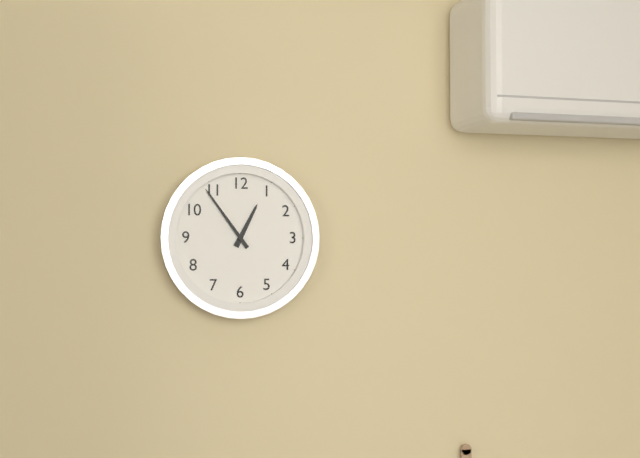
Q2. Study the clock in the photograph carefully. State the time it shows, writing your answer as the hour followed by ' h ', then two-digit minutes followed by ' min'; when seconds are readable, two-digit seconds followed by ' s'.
12 h 54 min
